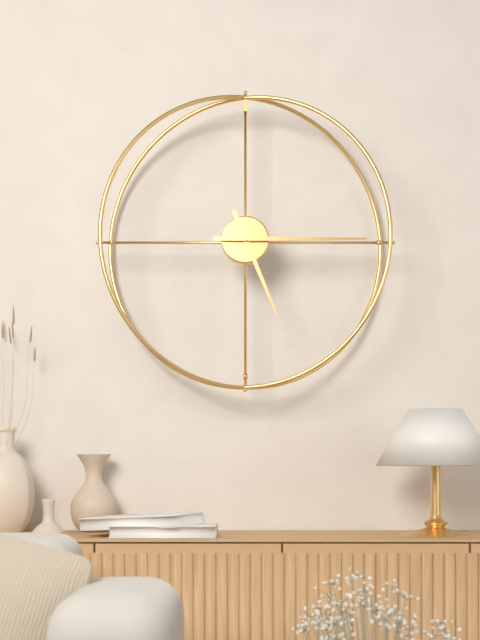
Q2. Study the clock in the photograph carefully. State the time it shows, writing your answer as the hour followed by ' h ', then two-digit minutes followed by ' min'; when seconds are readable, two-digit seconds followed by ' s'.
5 h 15 min
